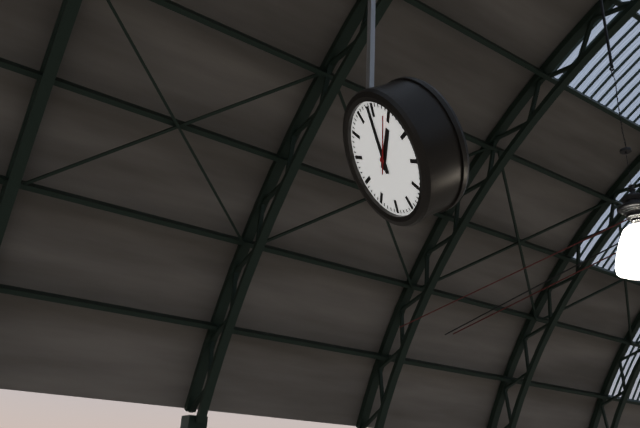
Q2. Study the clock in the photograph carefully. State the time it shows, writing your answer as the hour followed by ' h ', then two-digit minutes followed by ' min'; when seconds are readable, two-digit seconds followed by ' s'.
2 h 04 min 09 s
